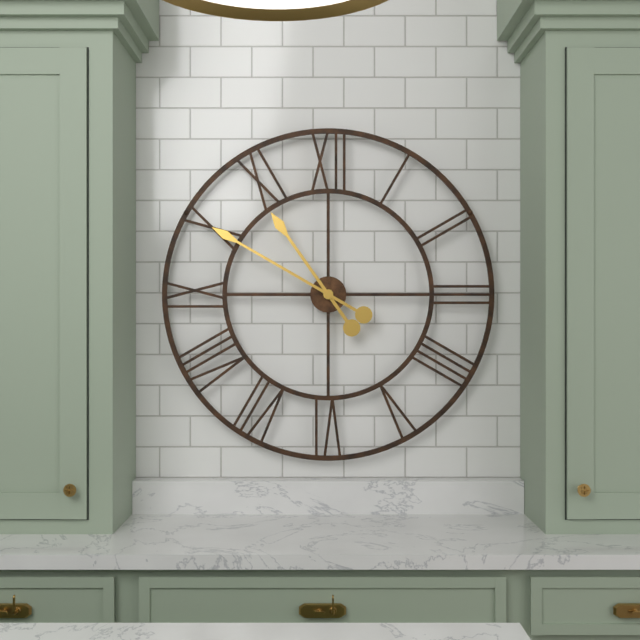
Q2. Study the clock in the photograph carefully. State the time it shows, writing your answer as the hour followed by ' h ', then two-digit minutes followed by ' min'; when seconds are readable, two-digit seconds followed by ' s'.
10 h 50 min
